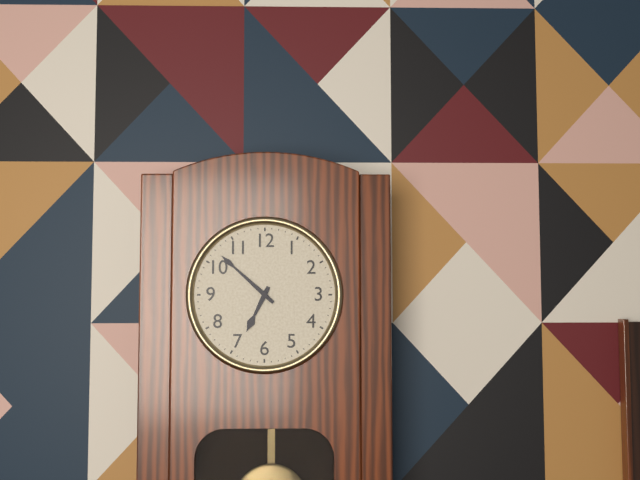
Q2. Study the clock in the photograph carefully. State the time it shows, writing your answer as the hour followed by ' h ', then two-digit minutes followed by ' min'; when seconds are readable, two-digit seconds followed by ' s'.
6 h 52 min
